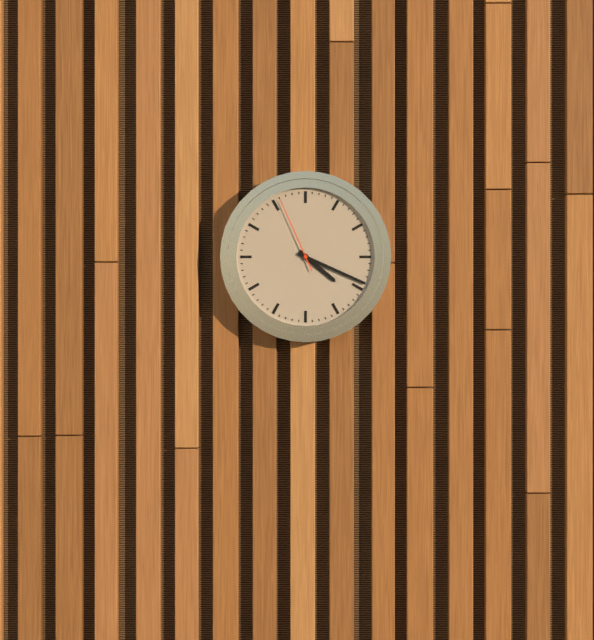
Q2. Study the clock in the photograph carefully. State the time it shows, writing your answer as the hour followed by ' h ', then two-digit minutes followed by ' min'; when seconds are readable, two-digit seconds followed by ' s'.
4 h 19 min 56 s
